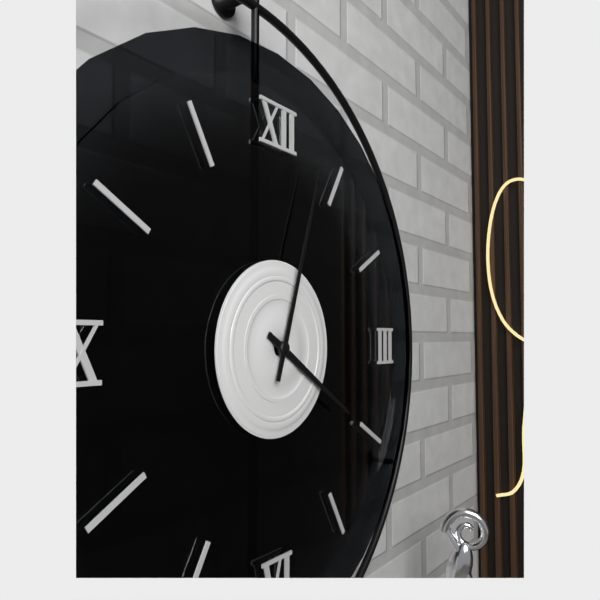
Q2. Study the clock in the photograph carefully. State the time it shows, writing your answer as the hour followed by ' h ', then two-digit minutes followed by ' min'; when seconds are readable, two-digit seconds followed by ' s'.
4 h 03 min
